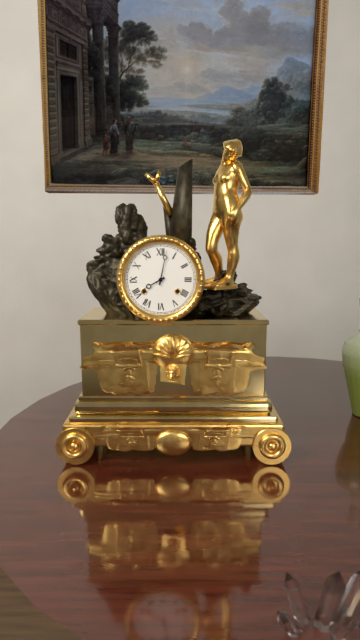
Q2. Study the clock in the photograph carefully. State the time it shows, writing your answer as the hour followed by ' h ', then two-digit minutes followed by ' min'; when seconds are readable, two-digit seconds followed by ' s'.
8 h 02 min
